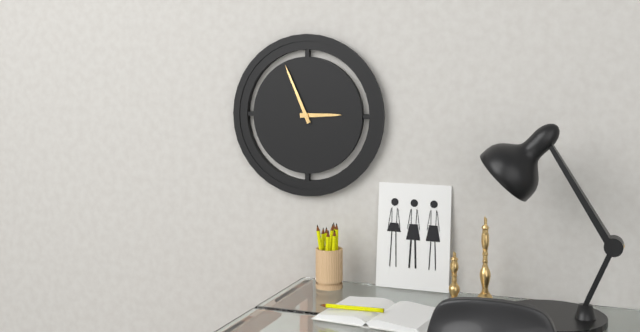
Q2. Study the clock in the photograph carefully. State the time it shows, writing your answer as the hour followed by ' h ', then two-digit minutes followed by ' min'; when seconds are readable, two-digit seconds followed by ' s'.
2 h 56 min
